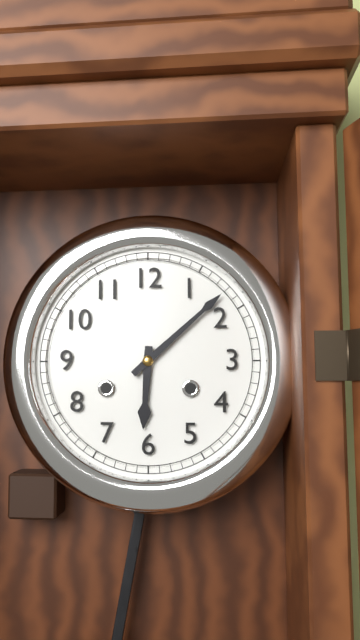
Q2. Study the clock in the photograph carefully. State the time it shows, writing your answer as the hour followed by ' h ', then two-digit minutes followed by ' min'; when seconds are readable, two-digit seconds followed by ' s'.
6 h 08 min
